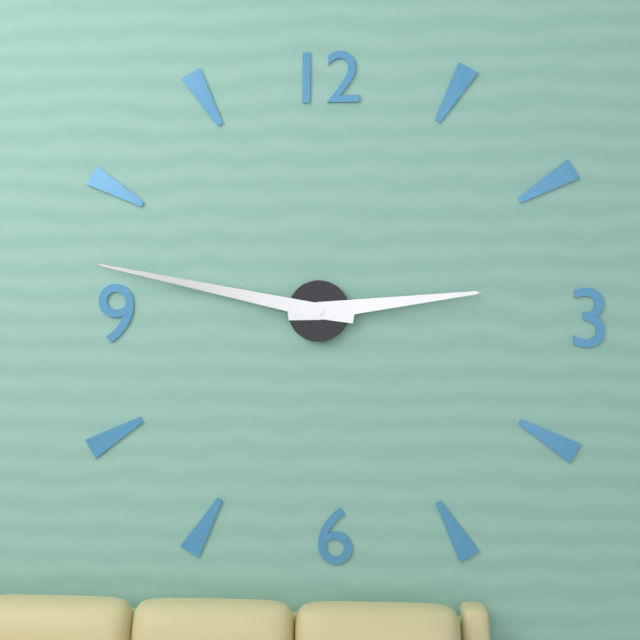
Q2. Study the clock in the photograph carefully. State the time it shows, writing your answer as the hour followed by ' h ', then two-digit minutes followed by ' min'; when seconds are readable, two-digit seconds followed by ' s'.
2 h 47 min
